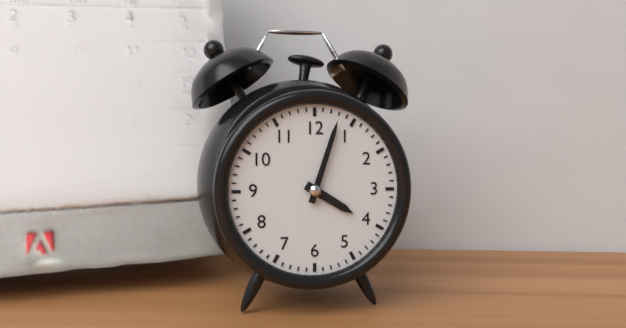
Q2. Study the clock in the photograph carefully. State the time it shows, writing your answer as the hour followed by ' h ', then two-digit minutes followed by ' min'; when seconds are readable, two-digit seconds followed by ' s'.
4 h 03 min
